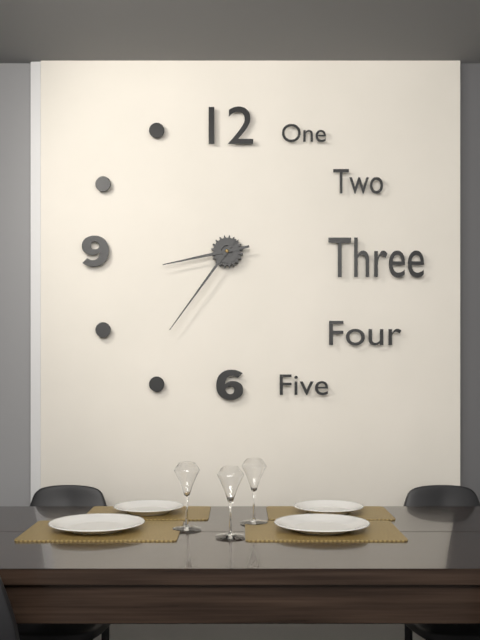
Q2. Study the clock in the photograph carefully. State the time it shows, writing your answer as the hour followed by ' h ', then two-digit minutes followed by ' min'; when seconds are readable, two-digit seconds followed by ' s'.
8 h 36 min
